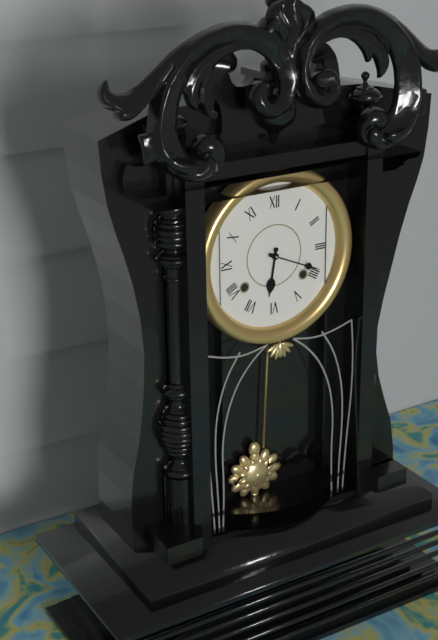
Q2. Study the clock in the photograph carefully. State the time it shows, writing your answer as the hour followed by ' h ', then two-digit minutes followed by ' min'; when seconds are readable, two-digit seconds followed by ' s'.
6 h 19 min
